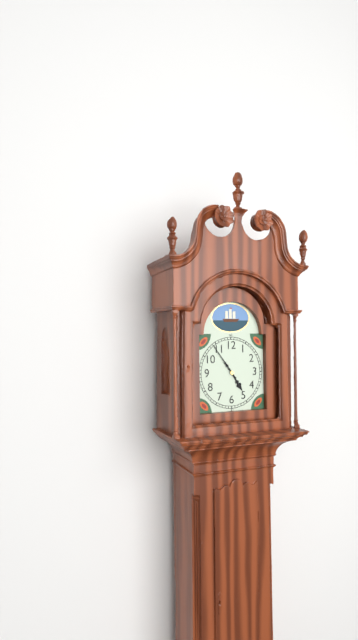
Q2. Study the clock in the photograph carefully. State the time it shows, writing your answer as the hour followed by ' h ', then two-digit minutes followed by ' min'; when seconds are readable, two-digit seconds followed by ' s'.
4 h 54 min
